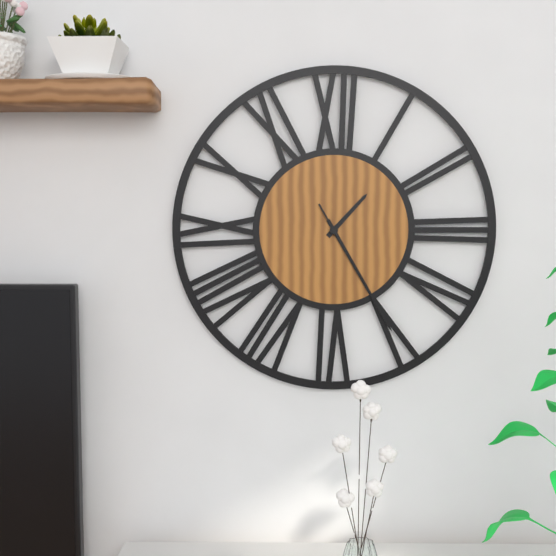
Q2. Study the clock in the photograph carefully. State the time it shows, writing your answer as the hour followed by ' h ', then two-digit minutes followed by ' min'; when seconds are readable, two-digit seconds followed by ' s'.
1 h 25 min 25 s
